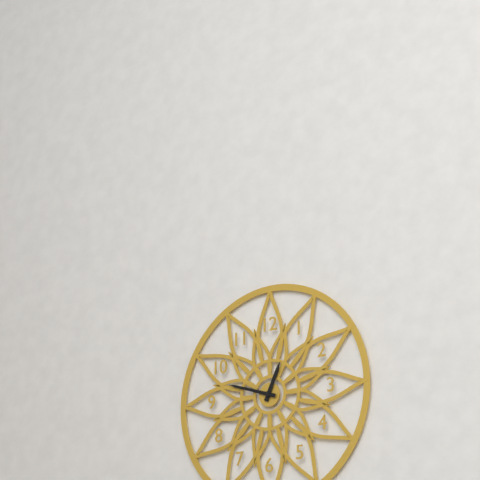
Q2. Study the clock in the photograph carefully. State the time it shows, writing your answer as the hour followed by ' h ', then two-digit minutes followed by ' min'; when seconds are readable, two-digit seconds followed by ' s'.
12 h 48 min
